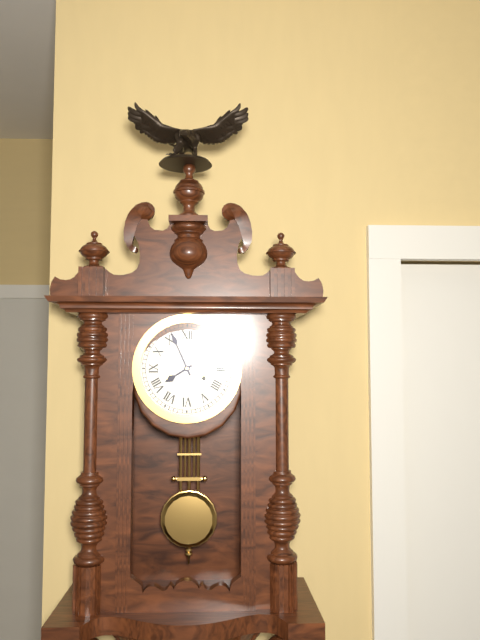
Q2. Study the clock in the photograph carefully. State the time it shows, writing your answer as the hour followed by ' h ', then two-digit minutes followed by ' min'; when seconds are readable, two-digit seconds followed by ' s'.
7 h 56 min
